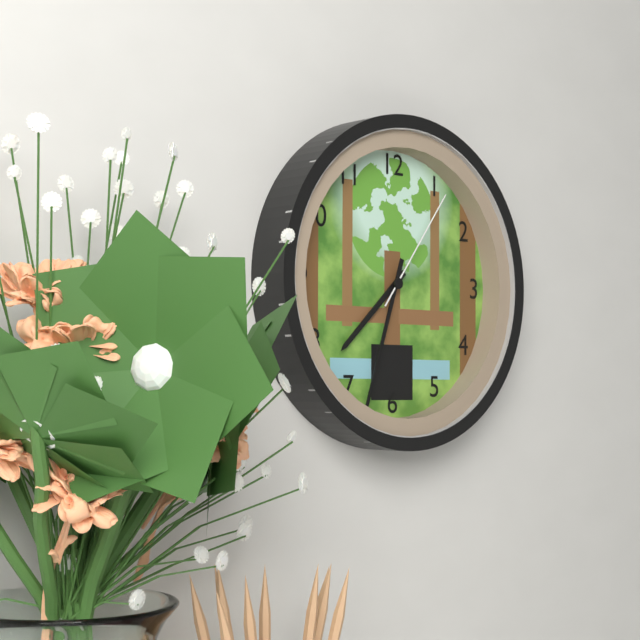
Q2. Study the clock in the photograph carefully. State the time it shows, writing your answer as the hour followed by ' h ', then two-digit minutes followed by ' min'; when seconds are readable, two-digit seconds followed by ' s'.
7 h 33 min 06 s
